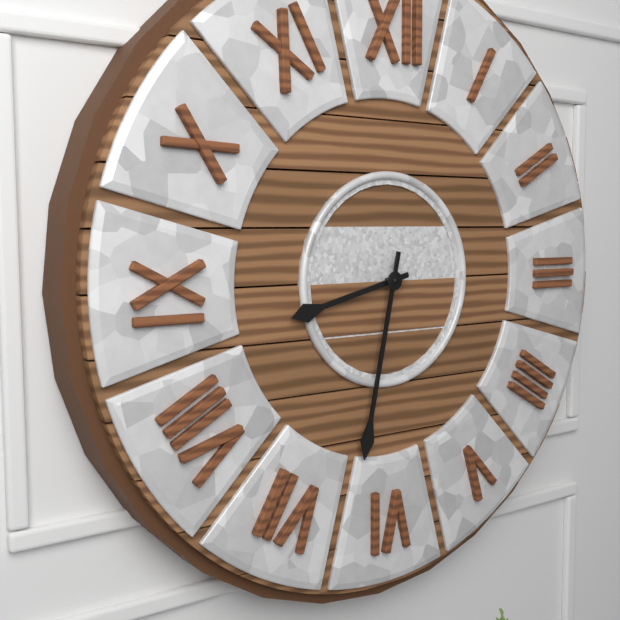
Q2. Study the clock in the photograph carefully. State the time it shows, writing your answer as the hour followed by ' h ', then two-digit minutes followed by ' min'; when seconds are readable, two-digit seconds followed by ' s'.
8 h 32 min
